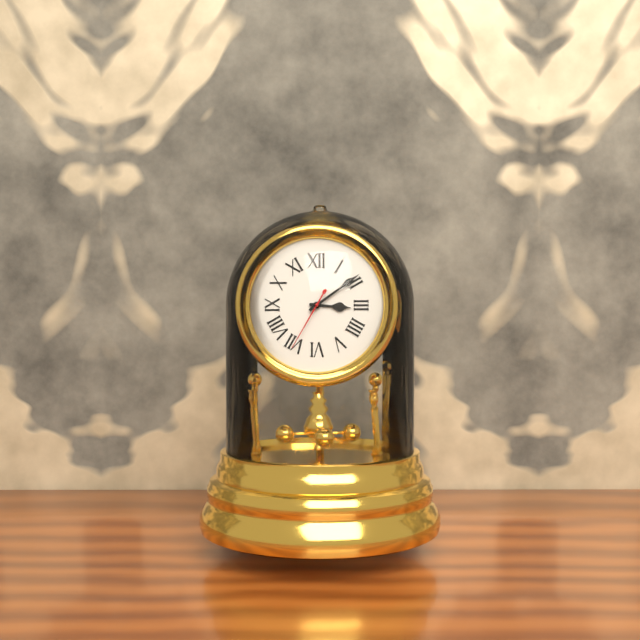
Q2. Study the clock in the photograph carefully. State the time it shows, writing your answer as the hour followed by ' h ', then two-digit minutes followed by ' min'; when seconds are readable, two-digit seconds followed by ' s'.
3 h 09 min 35 s
